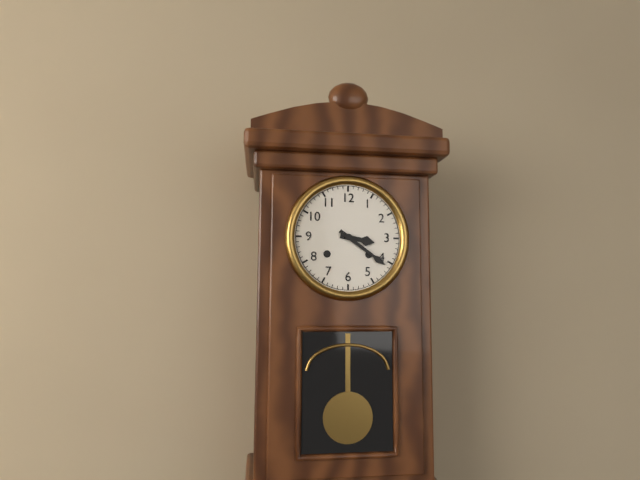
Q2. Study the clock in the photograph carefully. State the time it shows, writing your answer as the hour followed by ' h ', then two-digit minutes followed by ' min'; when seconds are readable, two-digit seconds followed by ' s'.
3 h 21 min
